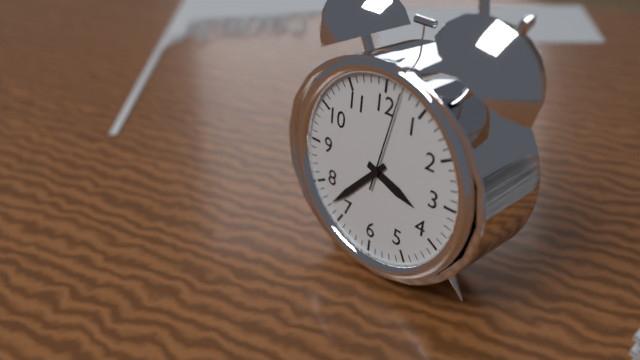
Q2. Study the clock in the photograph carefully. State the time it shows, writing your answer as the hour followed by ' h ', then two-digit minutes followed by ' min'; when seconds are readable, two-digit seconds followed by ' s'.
3 h 37 min 02 s
